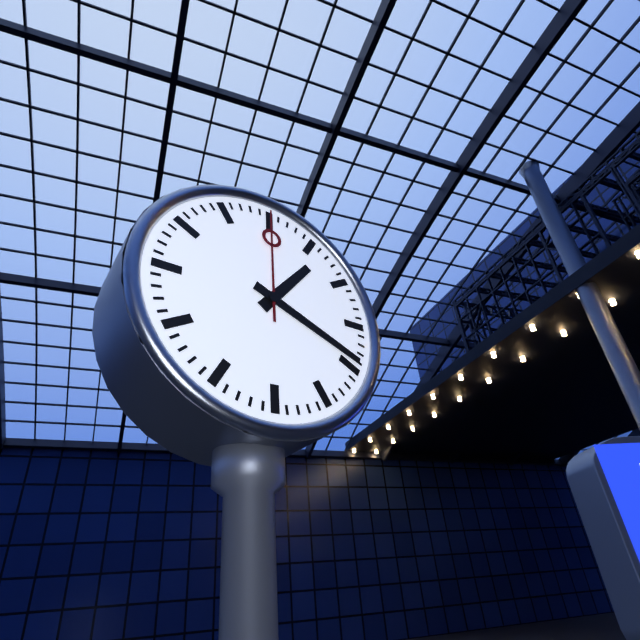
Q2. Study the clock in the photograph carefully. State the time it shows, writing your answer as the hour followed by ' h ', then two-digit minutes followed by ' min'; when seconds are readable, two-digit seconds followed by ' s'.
1 h 19 min 00 s
